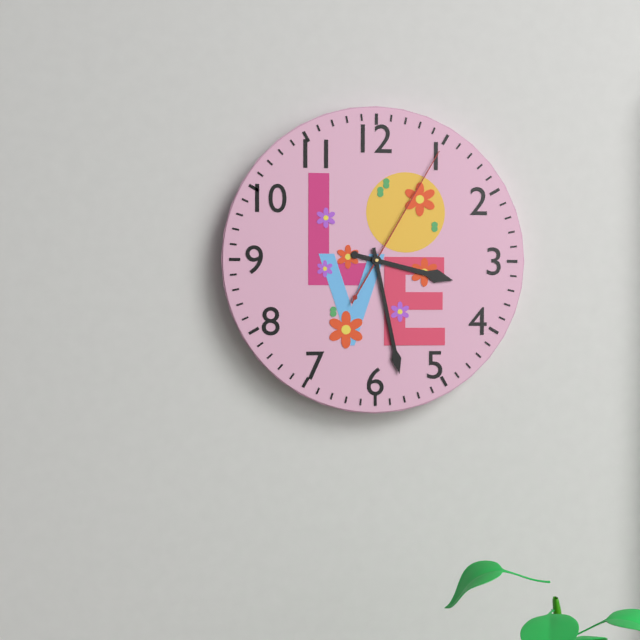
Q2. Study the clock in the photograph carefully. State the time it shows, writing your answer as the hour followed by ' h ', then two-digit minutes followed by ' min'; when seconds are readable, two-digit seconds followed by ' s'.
3 h 28 min 05 s
